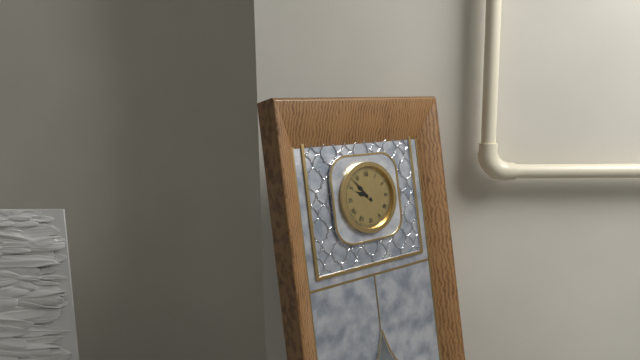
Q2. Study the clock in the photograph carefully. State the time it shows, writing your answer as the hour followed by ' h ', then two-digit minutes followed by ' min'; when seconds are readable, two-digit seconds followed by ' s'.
9 h 53 min
